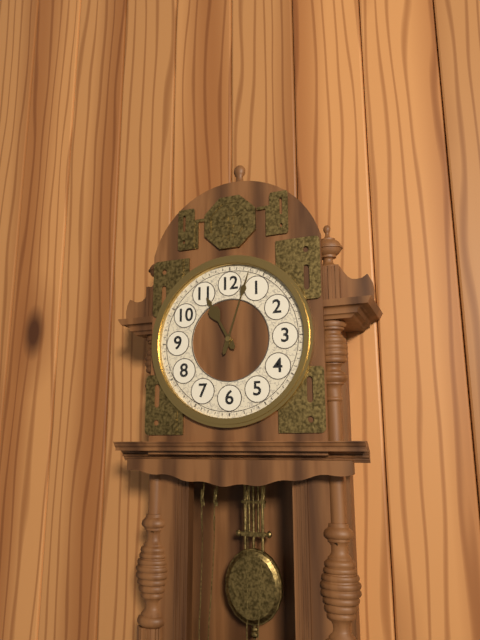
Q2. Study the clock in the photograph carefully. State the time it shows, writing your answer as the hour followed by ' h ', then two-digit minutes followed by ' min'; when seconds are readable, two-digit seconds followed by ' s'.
11 h 03 min
